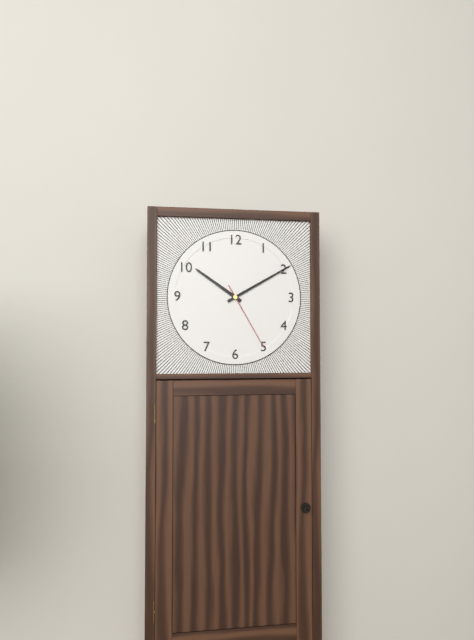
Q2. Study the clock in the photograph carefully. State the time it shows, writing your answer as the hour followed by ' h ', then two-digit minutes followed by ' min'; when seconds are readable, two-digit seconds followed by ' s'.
10 h 10 min 25 s
